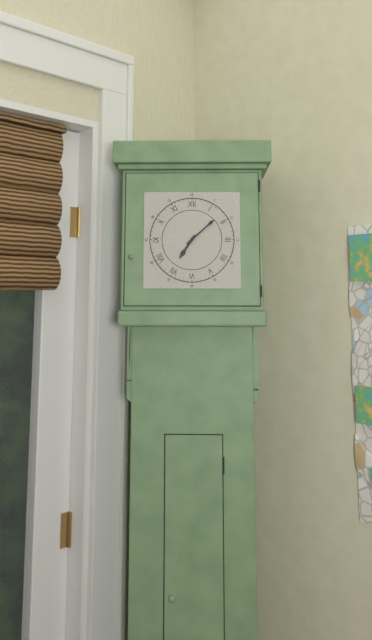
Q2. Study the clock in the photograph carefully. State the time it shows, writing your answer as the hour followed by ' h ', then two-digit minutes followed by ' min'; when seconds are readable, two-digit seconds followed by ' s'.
7 h 08 min
